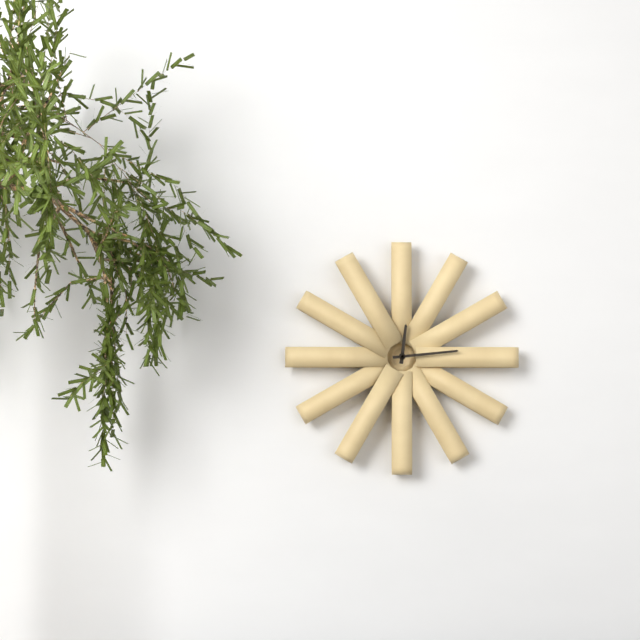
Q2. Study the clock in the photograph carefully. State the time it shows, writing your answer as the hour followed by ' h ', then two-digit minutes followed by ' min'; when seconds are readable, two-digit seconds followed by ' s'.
12 h 14 min
